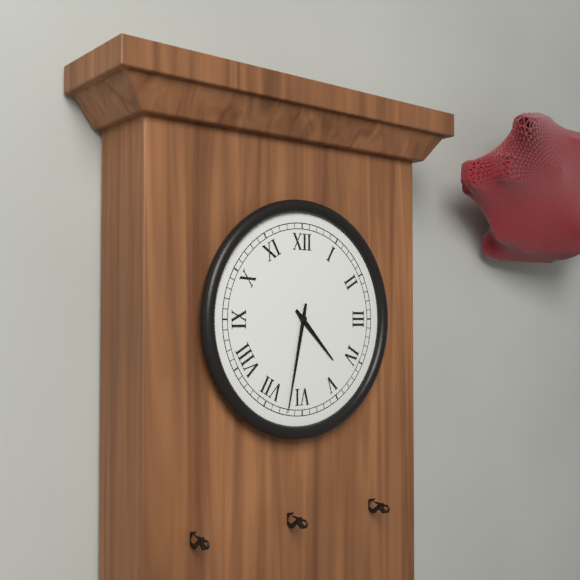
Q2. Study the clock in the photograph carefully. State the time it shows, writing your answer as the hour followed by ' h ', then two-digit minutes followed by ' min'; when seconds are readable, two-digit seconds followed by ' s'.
4 h 32 min
